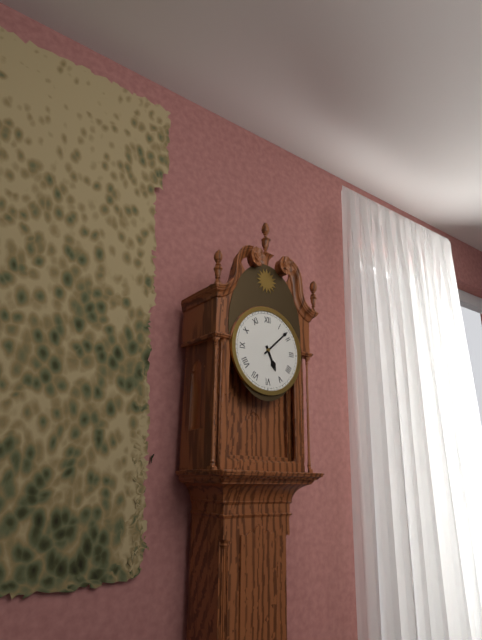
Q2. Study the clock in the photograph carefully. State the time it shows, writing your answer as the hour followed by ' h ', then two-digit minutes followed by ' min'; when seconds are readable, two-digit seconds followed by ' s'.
5 h 08 min
